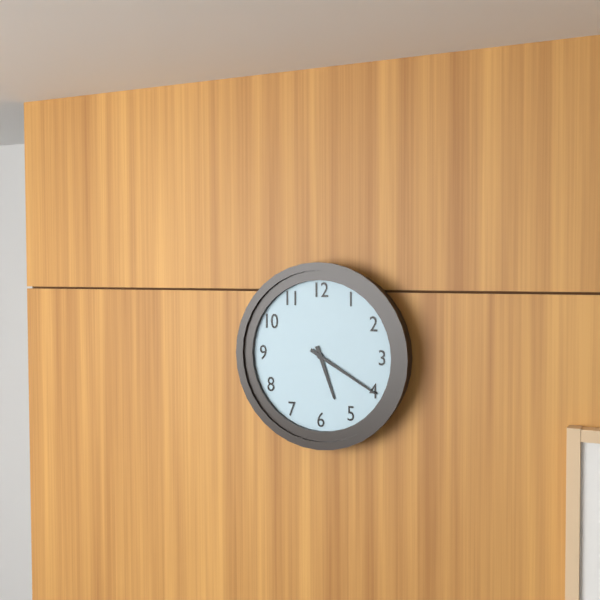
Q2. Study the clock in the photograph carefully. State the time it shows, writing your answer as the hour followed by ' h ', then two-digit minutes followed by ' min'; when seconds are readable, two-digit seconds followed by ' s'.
5 h 20 min
